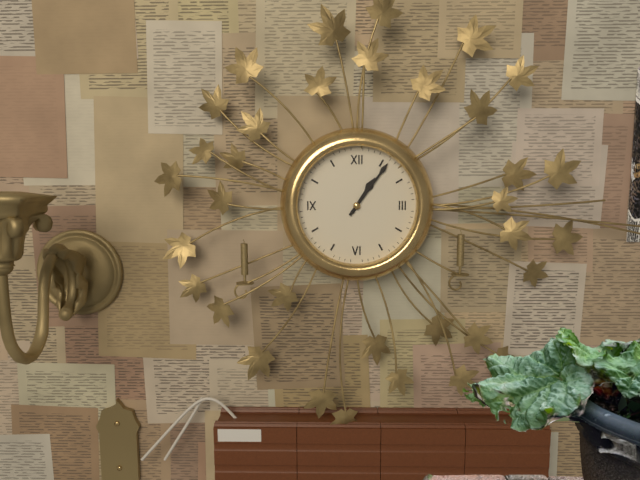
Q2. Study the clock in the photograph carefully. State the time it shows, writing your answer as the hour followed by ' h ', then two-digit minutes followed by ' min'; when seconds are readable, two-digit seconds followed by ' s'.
1 h 06 min
